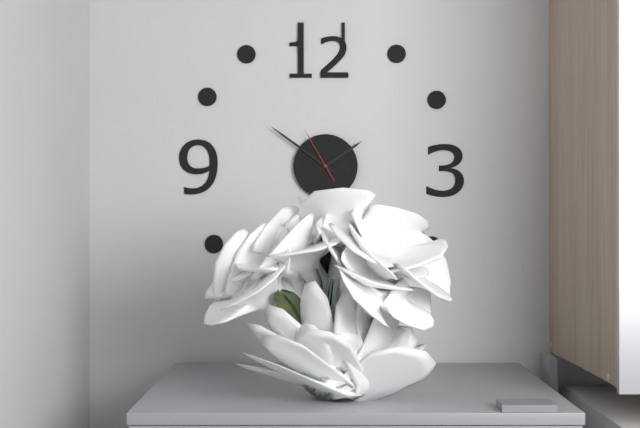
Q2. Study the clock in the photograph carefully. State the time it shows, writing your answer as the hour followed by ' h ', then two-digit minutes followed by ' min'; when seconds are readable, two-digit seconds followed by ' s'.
1 h 51 min 55 s
